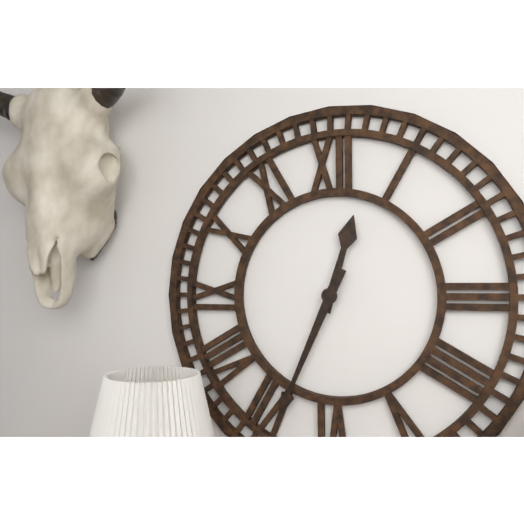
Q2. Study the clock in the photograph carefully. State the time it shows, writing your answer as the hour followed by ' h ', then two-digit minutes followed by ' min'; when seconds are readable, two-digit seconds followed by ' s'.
12 h 34 min
